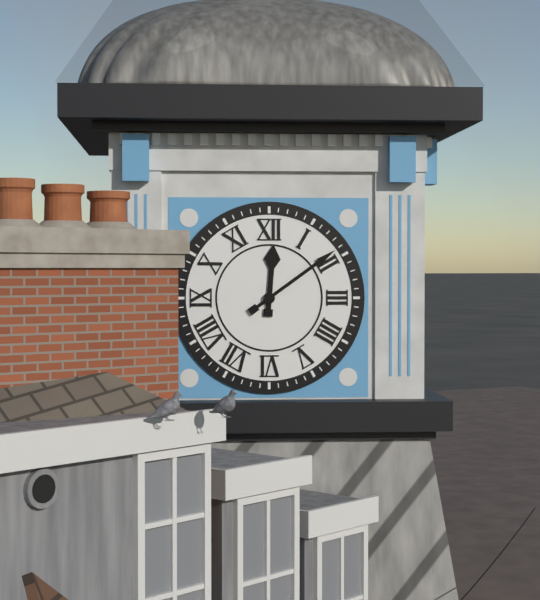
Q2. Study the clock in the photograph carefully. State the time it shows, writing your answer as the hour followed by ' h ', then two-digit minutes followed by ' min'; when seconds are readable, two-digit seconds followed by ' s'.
12 h 09 min
